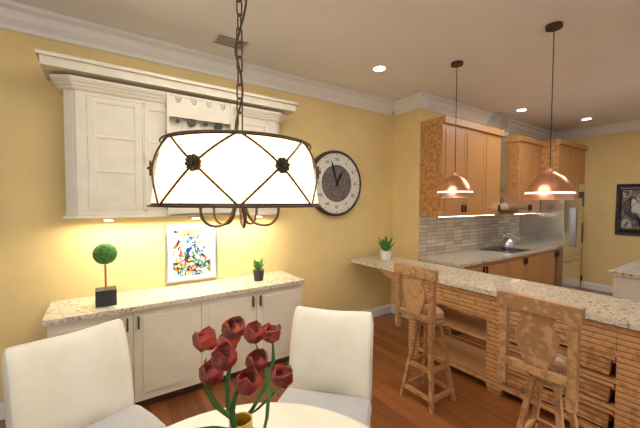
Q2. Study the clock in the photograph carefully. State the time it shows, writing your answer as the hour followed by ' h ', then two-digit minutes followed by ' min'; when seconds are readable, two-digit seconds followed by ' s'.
12 h 57 min
